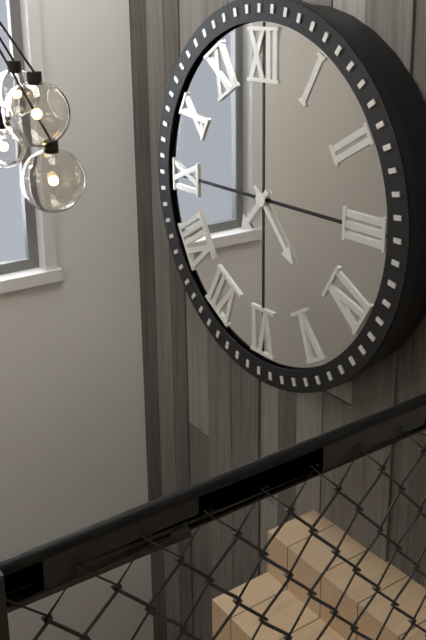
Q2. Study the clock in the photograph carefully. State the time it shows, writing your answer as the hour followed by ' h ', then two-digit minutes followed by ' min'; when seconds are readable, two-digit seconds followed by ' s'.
7 h 23 min
